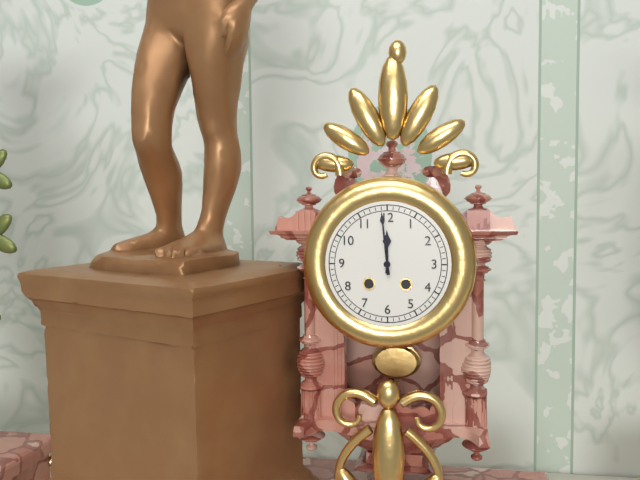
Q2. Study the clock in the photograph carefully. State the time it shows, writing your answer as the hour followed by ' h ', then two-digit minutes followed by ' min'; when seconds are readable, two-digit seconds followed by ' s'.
11 h 59 min
